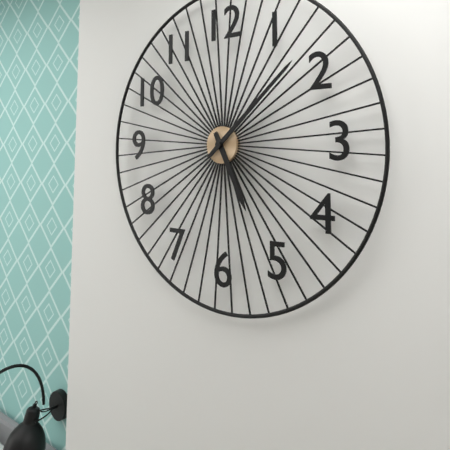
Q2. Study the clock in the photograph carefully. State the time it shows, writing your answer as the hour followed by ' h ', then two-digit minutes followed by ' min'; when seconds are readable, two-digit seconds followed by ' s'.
5 h 08 min
